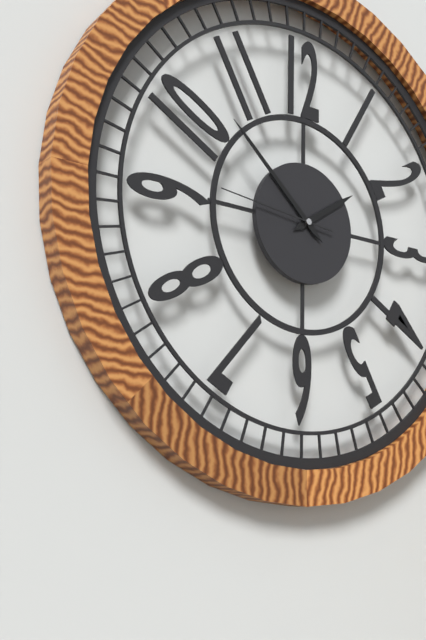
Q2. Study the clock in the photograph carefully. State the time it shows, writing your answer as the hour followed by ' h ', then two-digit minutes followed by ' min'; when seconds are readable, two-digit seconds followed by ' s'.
1 h 52 min 46 s
